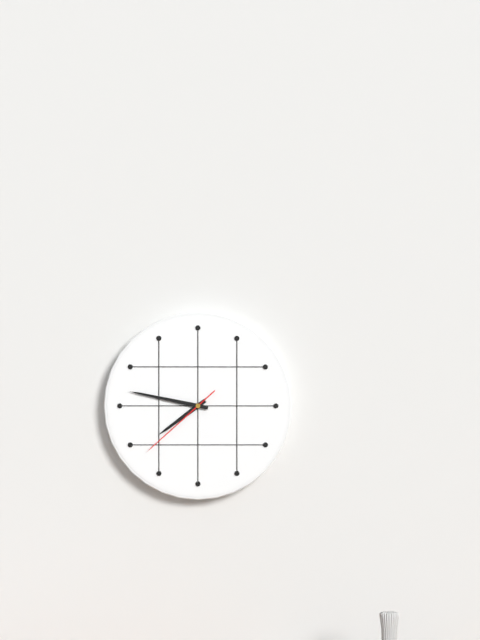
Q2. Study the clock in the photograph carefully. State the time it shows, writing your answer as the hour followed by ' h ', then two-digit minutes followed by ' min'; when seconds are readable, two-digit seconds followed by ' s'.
7 h 47 min 38 s
